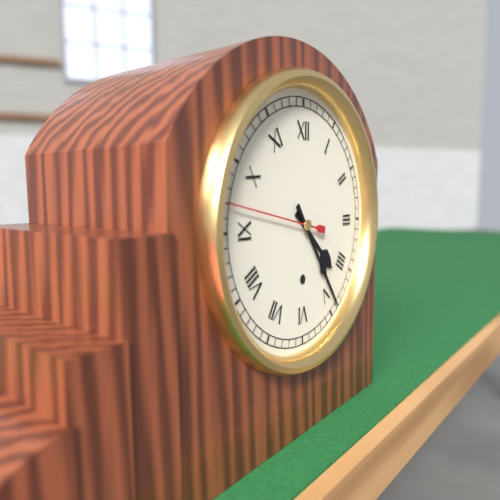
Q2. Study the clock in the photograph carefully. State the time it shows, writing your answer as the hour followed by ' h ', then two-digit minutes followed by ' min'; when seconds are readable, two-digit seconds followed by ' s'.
4 h 24 min 47 s
